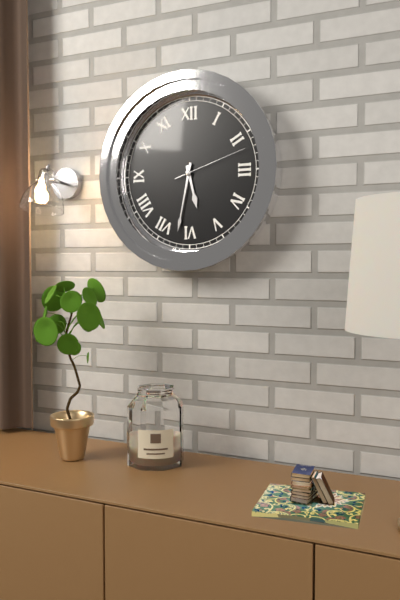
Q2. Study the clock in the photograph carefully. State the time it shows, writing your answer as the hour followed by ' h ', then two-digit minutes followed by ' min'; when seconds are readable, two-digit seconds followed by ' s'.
5 h 32 min 12 s
